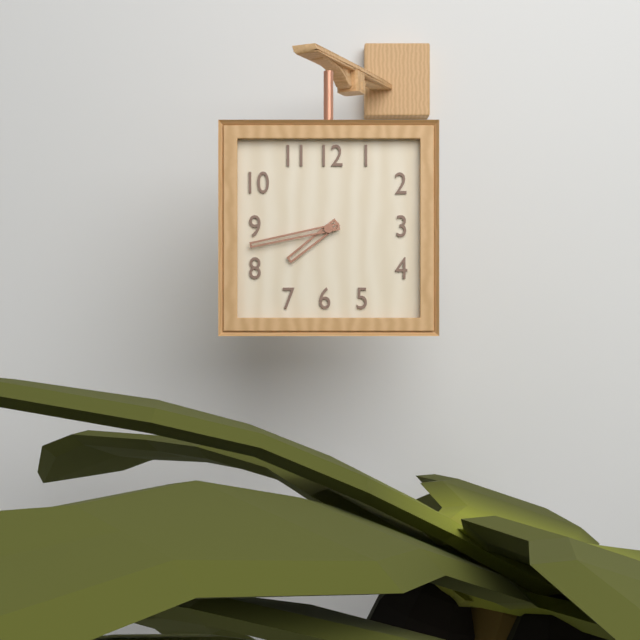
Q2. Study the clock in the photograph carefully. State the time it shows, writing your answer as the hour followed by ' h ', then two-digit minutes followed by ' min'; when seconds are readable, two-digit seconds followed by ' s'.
7 h 43 min
